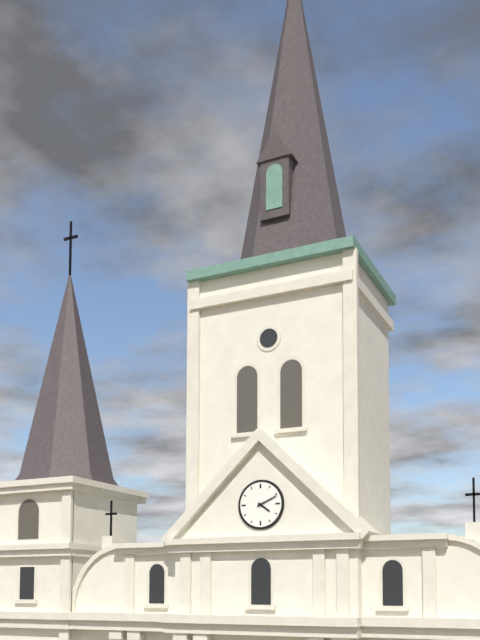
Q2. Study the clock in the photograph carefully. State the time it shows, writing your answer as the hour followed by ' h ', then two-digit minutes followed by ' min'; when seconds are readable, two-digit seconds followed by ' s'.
4 h 11 min
